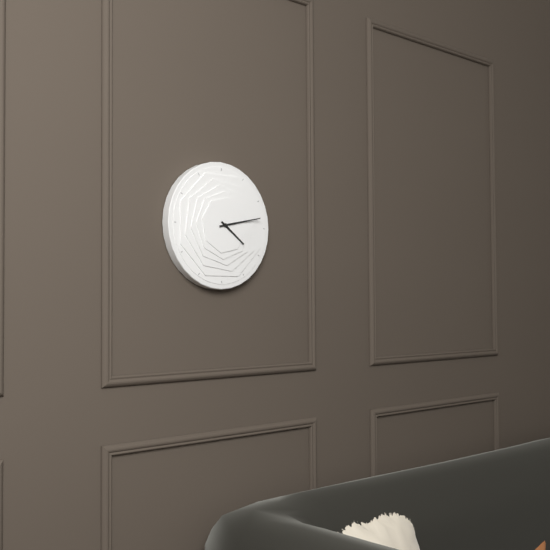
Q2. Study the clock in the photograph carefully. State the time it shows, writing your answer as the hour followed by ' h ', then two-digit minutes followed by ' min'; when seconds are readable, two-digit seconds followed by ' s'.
4 h 13 min
